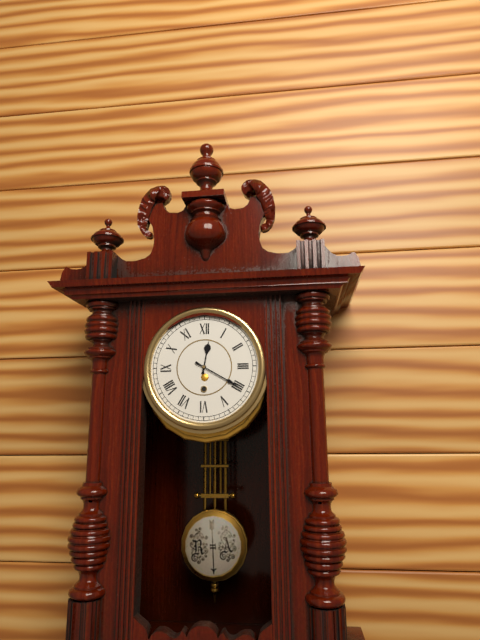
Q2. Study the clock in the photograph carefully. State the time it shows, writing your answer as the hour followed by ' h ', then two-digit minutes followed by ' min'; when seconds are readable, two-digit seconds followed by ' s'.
12 h 20 min
